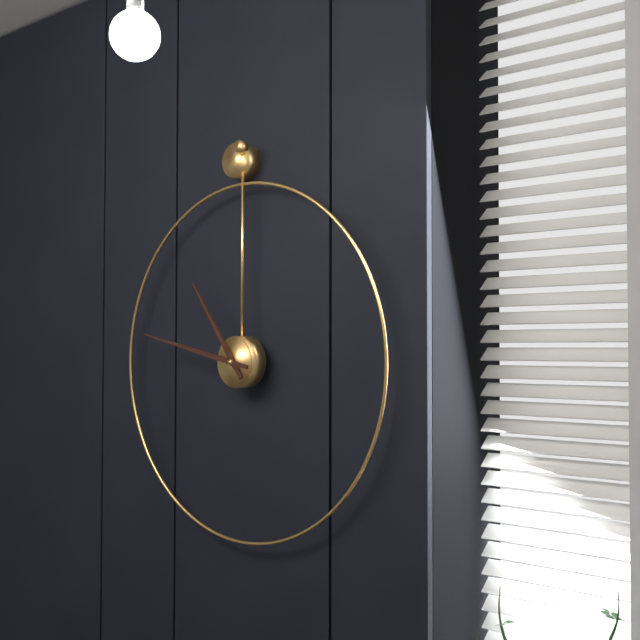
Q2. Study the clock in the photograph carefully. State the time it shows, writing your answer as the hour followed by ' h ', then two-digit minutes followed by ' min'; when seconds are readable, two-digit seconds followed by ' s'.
10 h 47 min
